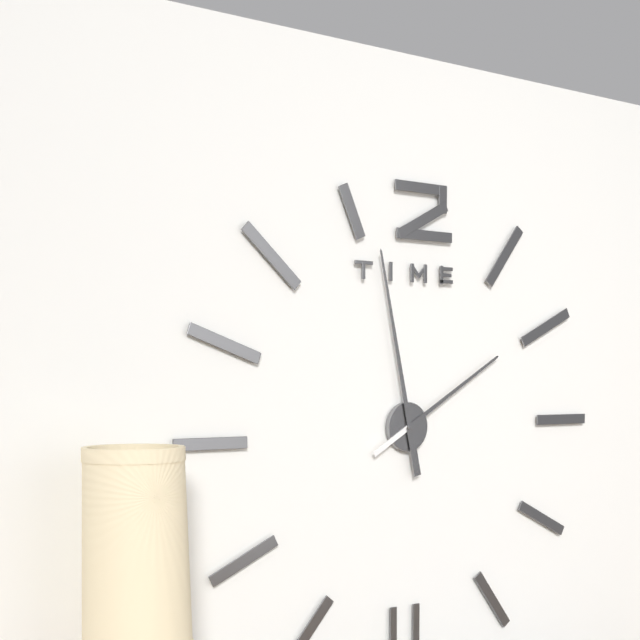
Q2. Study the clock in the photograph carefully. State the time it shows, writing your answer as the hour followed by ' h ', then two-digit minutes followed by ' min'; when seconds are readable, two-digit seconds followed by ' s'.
1 h 58 min
